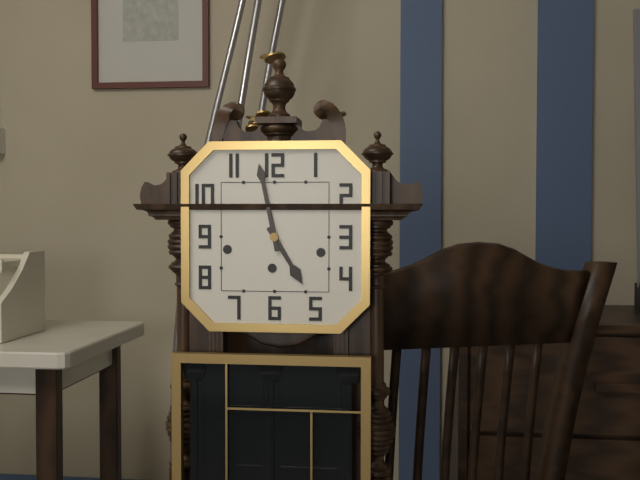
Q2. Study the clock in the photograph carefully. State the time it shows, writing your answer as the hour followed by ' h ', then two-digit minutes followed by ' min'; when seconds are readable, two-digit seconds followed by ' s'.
4 h 58 min
